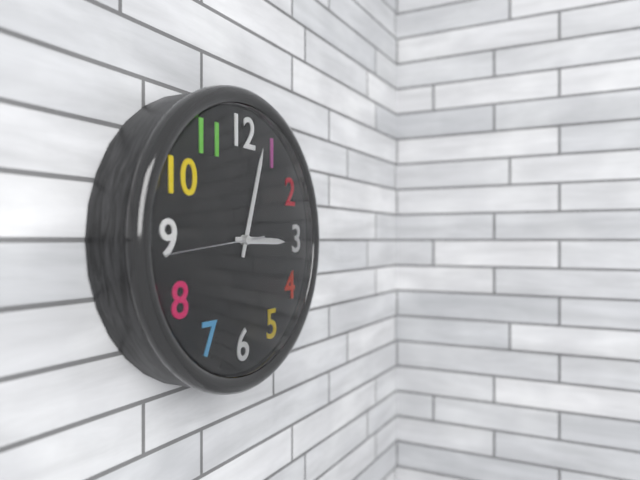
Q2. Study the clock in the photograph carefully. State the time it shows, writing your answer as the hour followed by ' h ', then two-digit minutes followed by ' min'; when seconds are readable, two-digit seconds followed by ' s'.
3 h 03 min 44 s
